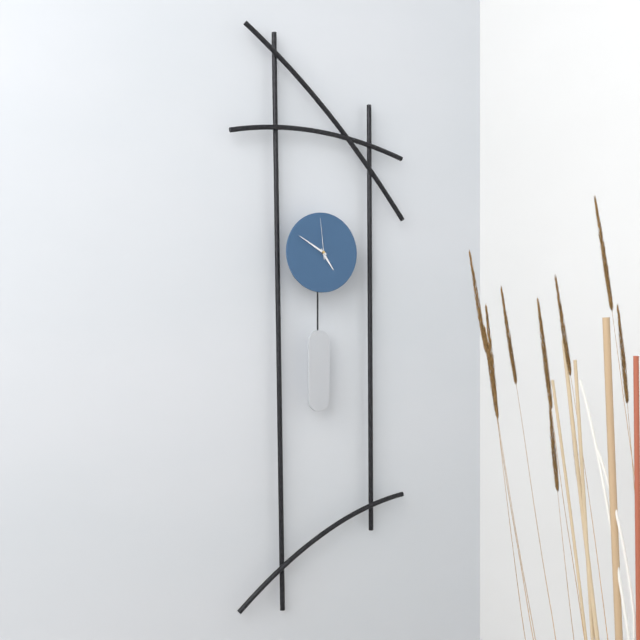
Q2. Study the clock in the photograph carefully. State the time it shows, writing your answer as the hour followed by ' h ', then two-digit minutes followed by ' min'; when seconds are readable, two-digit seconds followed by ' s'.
4 h 50 min
